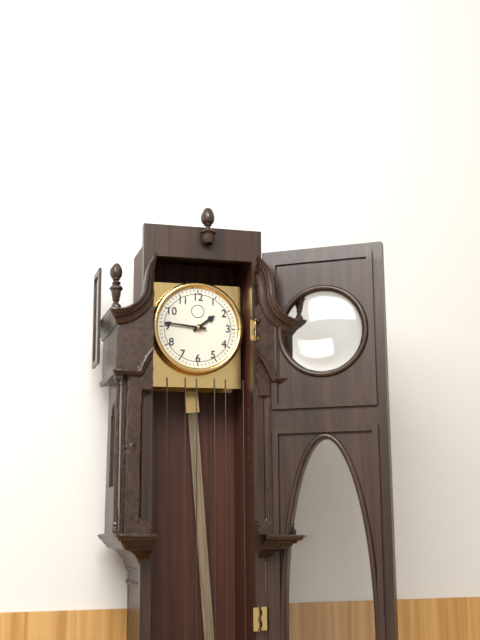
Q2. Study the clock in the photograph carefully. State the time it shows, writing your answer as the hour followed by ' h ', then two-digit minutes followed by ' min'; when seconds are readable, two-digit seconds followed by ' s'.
1 h 46 min
